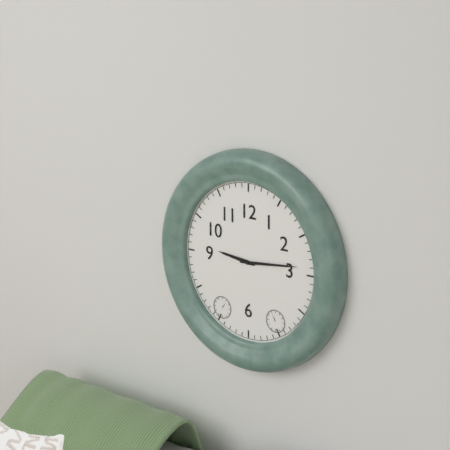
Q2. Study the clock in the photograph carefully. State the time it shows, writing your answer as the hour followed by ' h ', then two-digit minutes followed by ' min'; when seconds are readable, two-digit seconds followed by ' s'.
9 h 14 min
